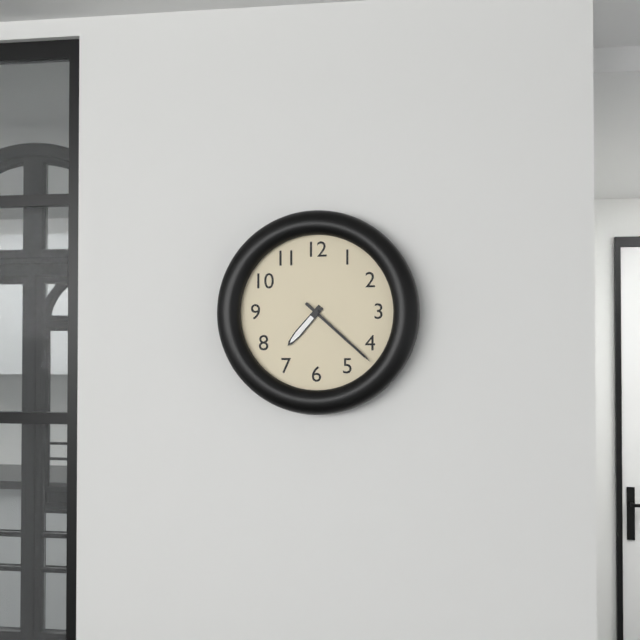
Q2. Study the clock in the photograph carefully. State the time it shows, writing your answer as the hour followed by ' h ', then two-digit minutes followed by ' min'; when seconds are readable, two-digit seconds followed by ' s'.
7 h 22 min
